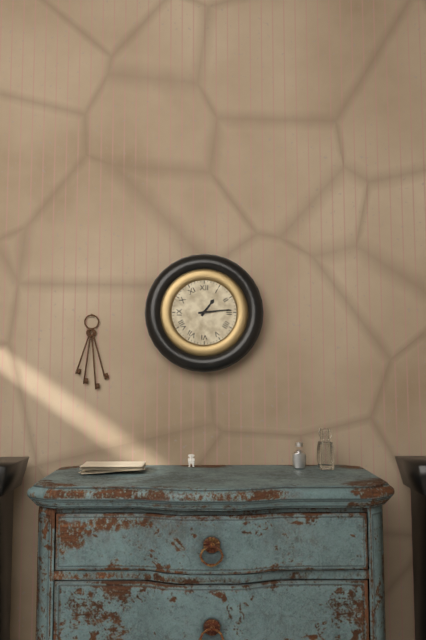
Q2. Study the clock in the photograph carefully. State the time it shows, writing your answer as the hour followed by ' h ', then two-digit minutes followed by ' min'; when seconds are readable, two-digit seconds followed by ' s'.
1 h 14 min
